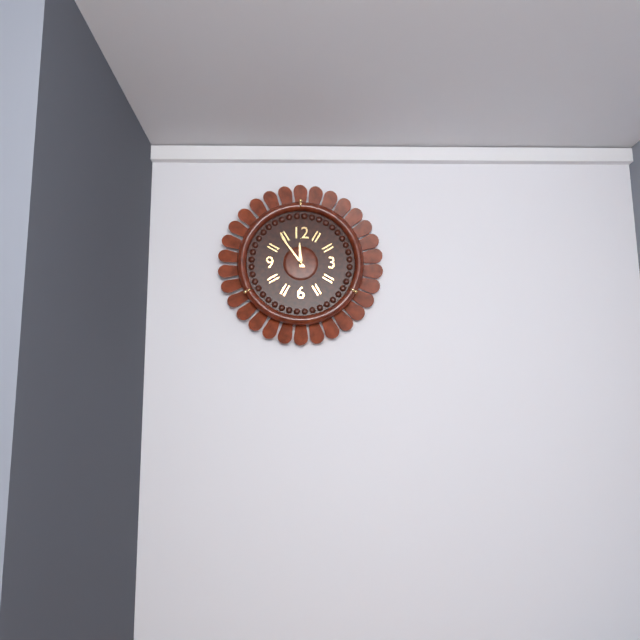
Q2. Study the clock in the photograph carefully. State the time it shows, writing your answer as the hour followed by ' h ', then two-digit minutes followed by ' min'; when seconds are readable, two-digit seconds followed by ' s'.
11 h 54 min
